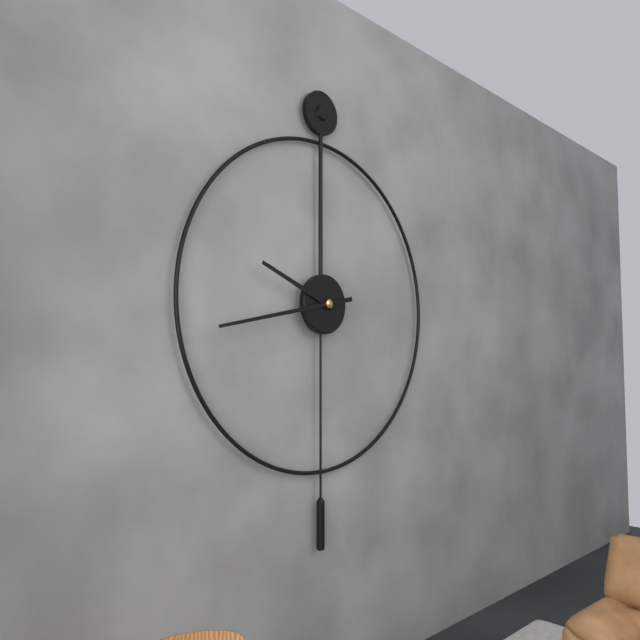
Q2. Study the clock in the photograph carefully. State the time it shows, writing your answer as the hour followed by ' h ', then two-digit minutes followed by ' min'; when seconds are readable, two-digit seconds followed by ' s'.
9 h 43 min
